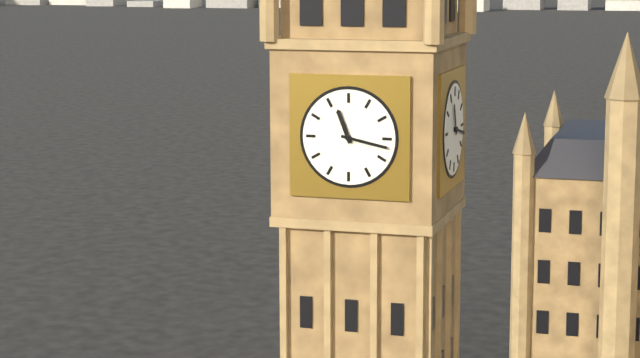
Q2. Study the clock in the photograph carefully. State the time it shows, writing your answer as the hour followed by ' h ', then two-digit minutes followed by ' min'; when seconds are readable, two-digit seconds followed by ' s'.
11 h 17 min
